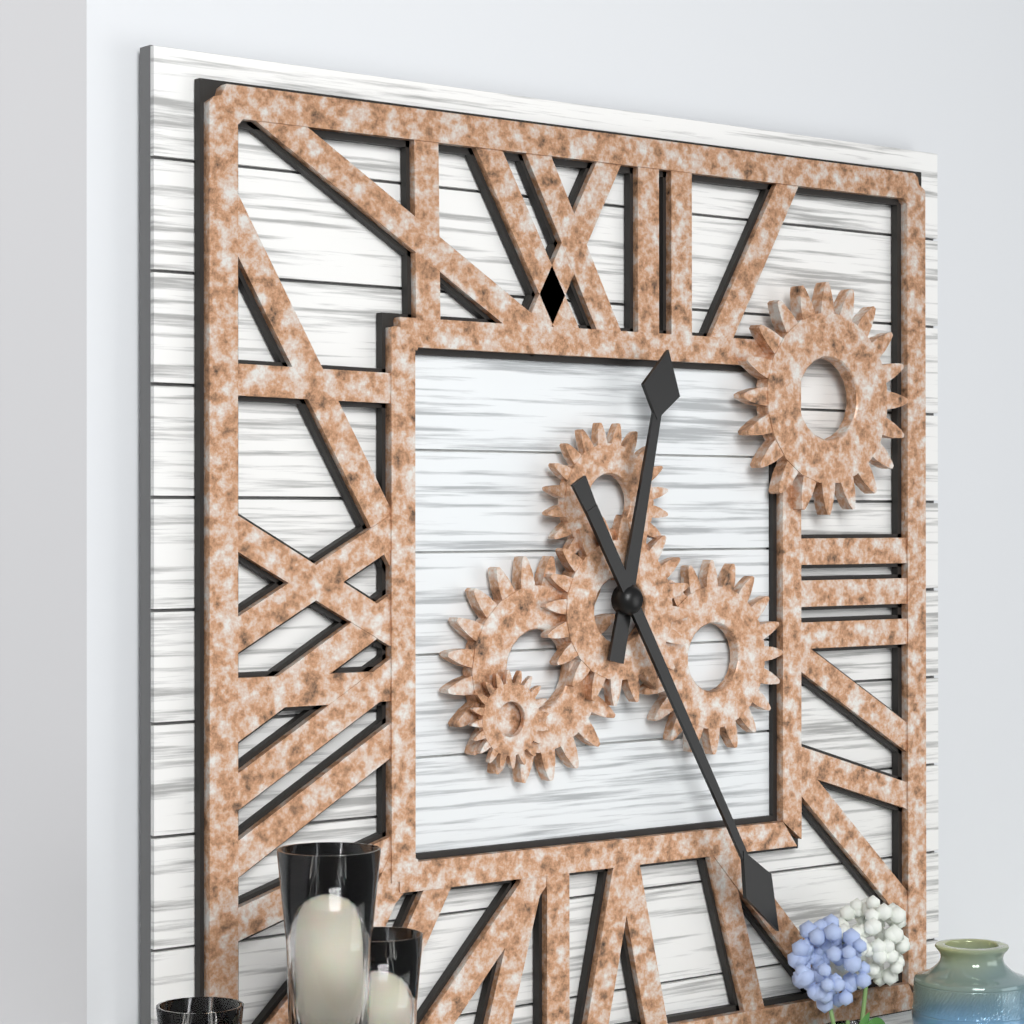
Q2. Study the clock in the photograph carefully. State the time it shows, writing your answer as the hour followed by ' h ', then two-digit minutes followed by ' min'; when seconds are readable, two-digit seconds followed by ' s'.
12 h 25 min
